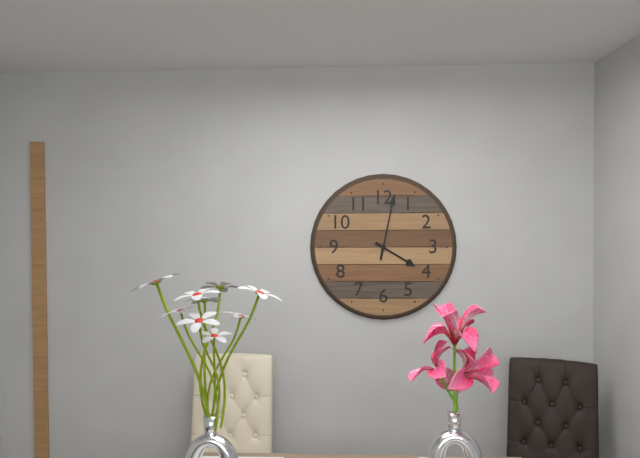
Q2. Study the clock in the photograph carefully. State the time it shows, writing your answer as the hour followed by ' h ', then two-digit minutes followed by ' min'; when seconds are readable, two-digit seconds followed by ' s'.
4 h 02 min
